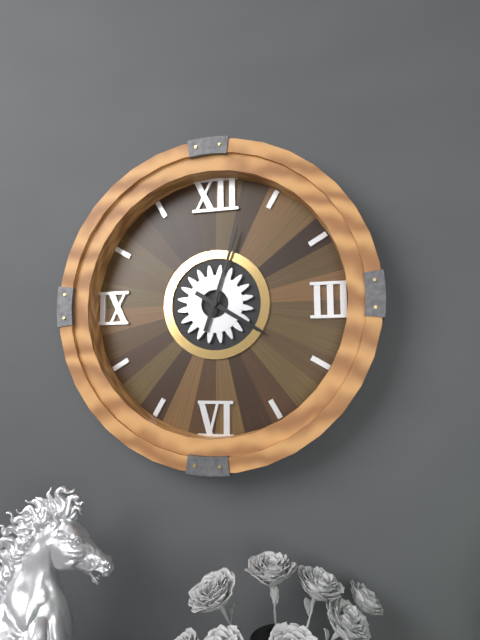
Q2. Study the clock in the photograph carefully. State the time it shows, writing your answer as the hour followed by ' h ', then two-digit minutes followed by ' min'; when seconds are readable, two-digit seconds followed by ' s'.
4 h 03 min
